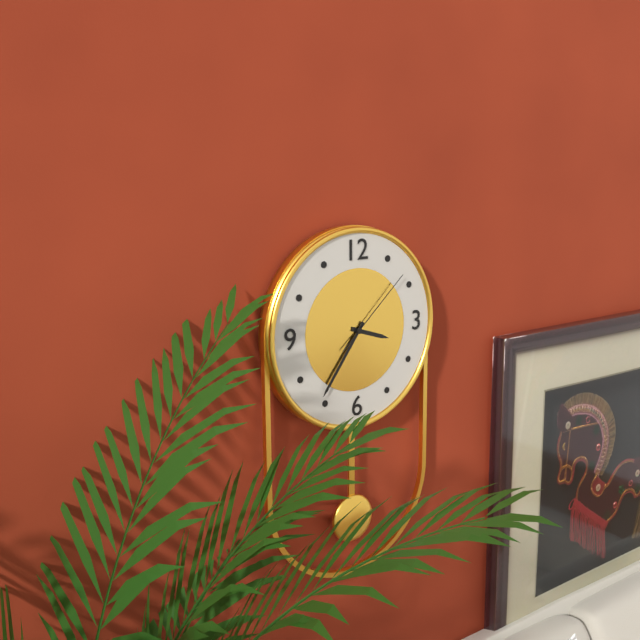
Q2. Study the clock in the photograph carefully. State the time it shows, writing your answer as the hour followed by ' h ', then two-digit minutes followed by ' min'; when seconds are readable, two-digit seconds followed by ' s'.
3 h 36 min 08 s
